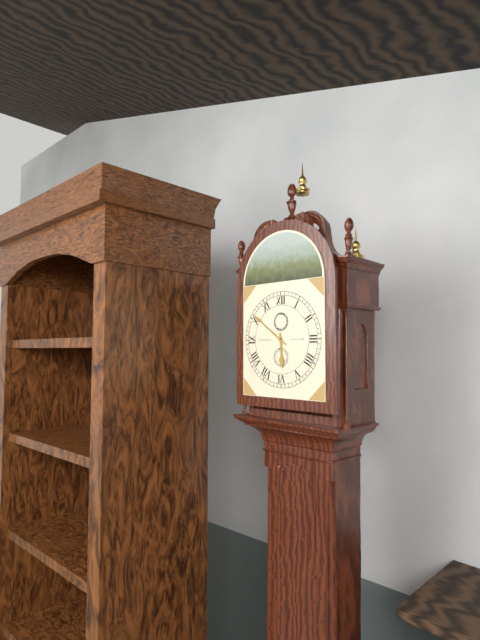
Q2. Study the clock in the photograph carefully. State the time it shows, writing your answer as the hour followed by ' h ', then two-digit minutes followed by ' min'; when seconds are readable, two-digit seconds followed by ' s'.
5 h 51 min
